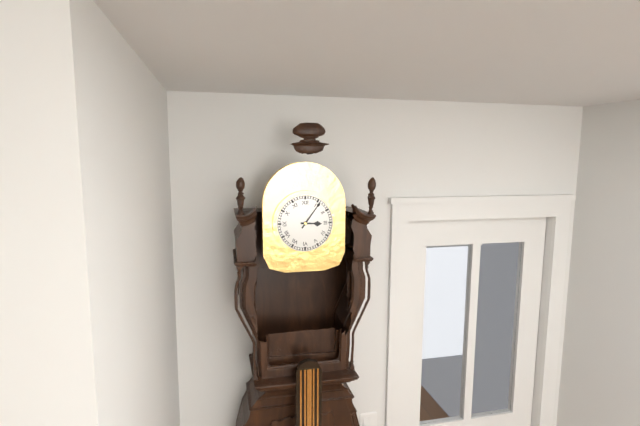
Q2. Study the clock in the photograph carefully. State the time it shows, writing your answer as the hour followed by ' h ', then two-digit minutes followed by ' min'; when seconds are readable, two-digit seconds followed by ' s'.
3 h 06 min
